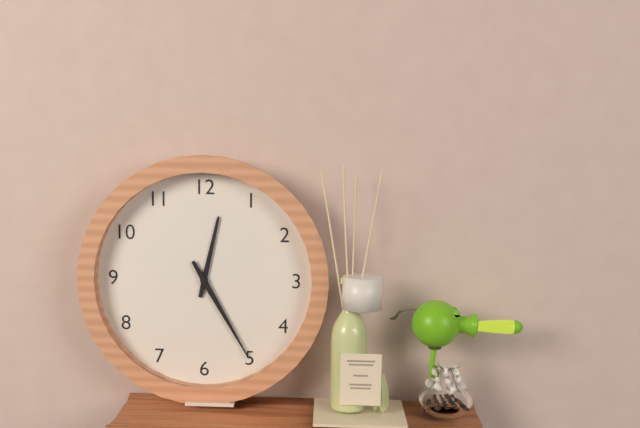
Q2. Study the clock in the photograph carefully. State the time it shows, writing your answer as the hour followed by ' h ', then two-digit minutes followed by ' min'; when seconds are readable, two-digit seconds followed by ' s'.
12 h 25 min
